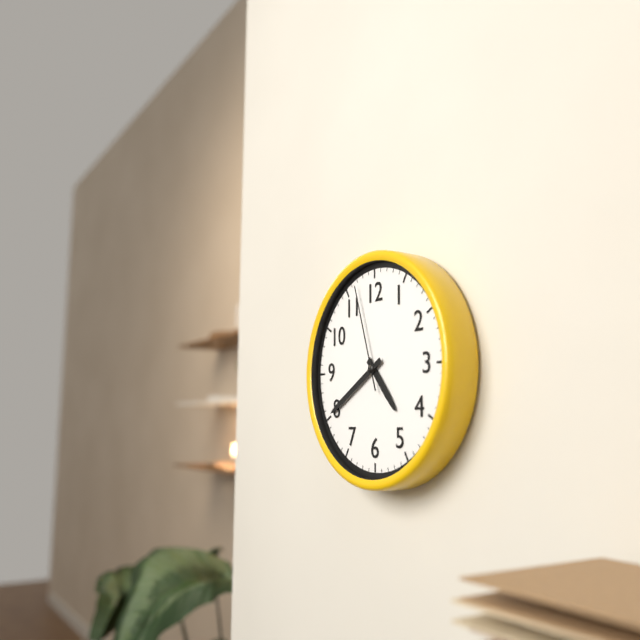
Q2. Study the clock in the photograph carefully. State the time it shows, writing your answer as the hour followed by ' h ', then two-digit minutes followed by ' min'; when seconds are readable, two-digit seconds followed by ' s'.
4 h 40 min 57 s
